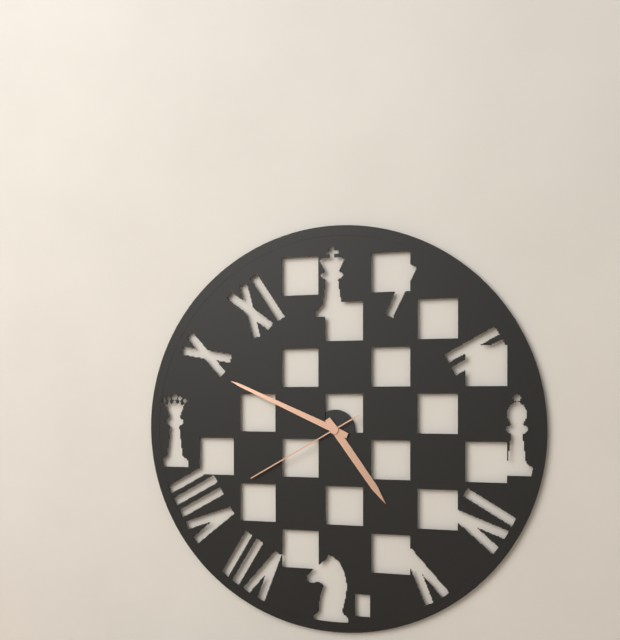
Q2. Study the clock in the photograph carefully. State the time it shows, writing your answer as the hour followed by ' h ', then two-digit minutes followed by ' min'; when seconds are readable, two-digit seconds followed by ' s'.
4 h 49 min 40 s
